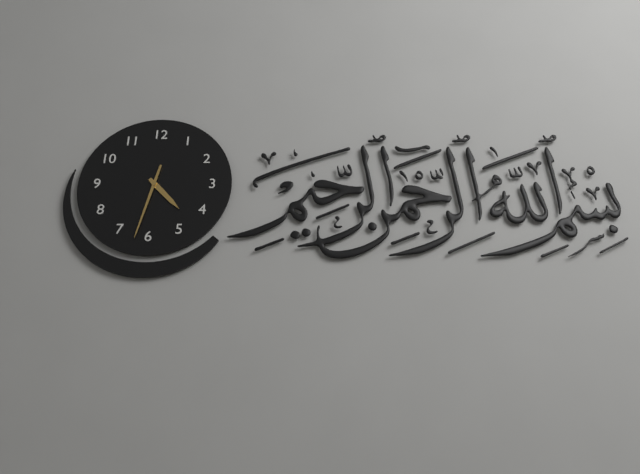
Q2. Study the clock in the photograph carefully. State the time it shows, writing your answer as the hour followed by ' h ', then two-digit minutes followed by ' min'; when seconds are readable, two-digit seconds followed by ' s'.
4 h 32 min
